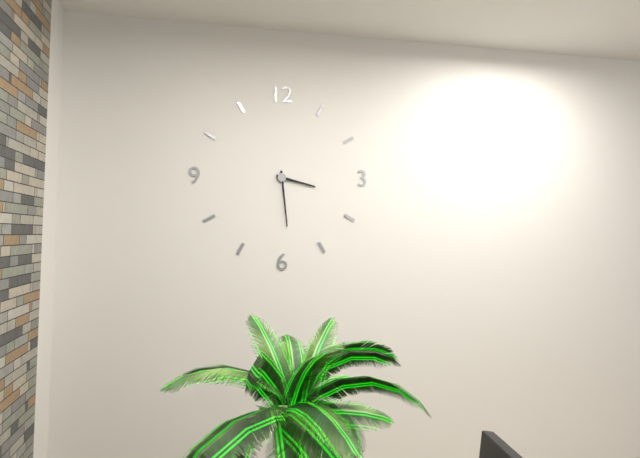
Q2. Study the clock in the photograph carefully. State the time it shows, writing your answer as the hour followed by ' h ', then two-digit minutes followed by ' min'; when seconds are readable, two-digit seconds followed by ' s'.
3 h 29 min
